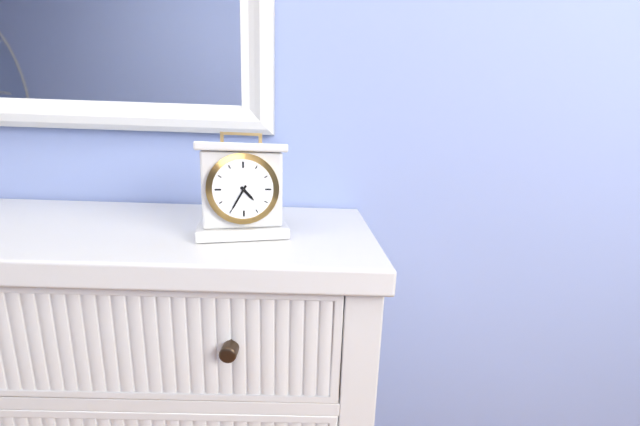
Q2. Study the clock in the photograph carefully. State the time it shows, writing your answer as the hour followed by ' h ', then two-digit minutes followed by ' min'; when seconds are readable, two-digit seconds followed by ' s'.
4 h 35 min
